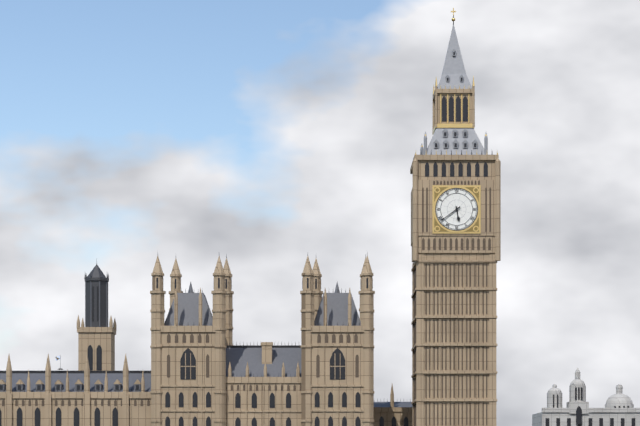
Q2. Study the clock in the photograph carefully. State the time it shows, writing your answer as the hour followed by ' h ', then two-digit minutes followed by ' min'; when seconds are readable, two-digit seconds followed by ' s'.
5 h 39 min
